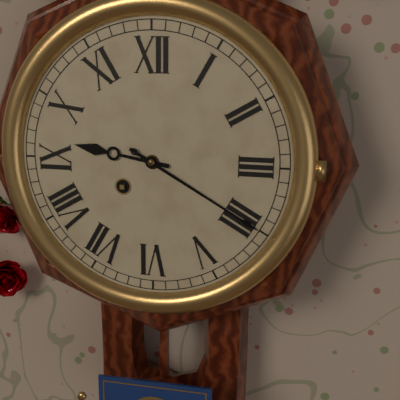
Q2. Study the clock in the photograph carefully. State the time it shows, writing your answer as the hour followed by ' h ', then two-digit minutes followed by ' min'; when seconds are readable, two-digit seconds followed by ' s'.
9 h 20 min
